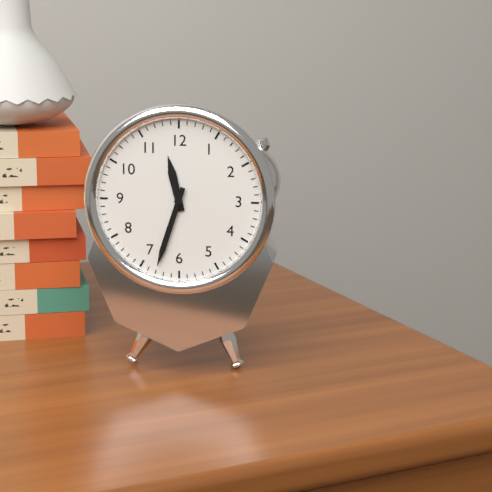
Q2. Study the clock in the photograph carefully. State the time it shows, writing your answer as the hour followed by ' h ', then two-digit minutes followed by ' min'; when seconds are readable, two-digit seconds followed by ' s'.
11 h 33 min
